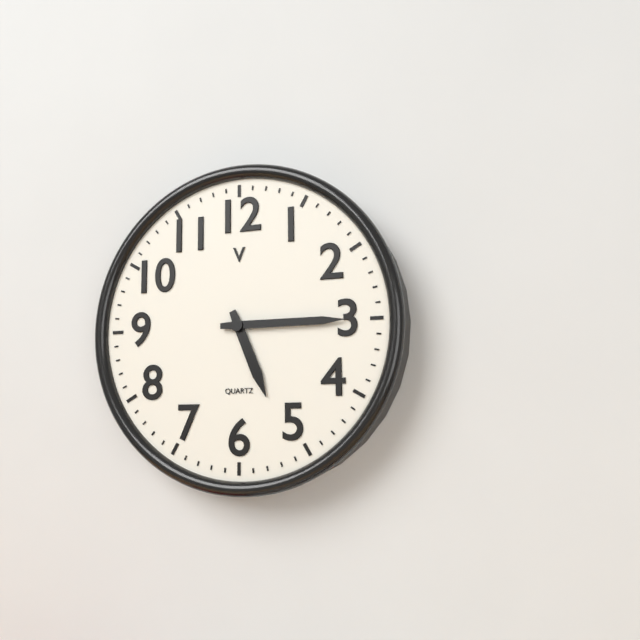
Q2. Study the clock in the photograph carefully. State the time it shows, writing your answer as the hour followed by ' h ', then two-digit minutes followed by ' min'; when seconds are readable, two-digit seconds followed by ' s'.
5 h 15 min
